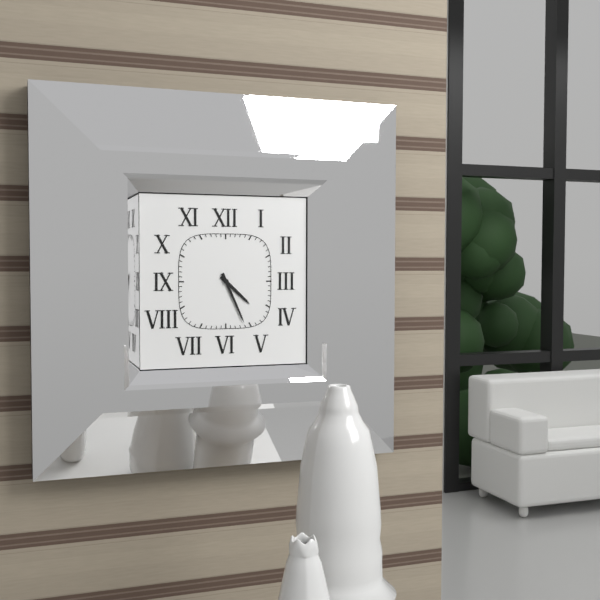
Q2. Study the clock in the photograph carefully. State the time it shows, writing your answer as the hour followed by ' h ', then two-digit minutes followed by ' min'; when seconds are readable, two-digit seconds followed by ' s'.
4 h 26 min
